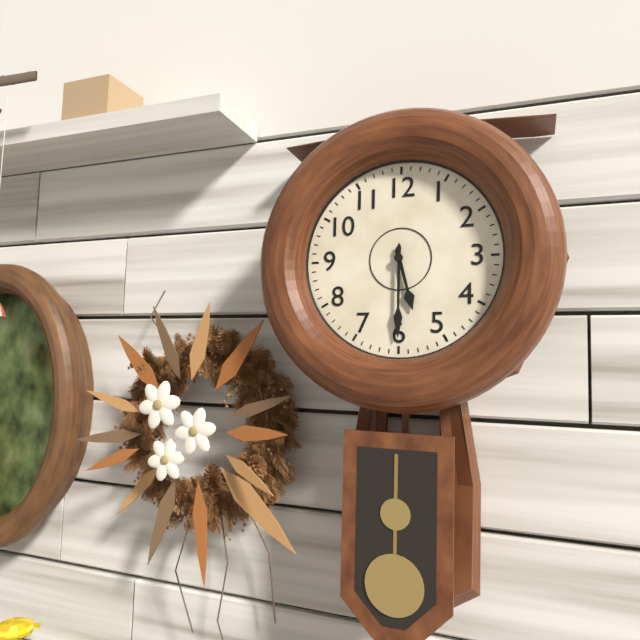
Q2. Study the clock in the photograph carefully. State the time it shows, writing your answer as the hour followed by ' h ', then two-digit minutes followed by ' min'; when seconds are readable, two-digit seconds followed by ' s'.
5 h 30 min
